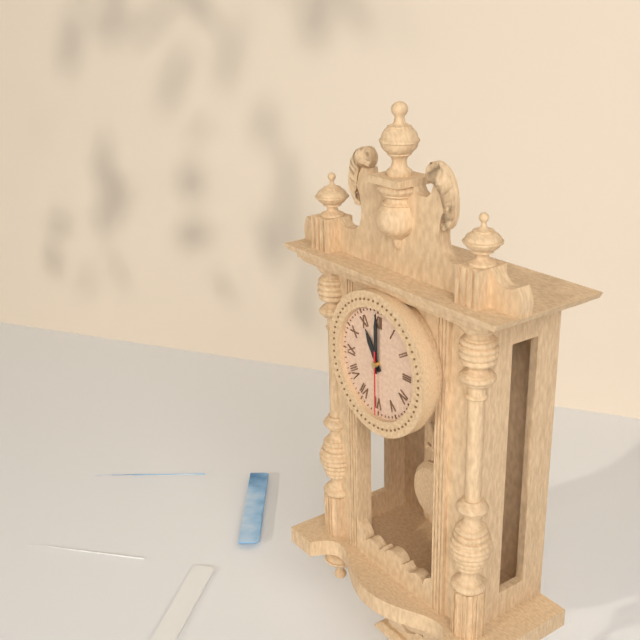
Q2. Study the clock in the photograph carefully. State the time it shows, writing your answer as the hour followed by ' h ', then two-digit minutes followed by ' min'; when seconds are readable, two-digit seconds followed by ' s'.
11 h 00 min 30 s
